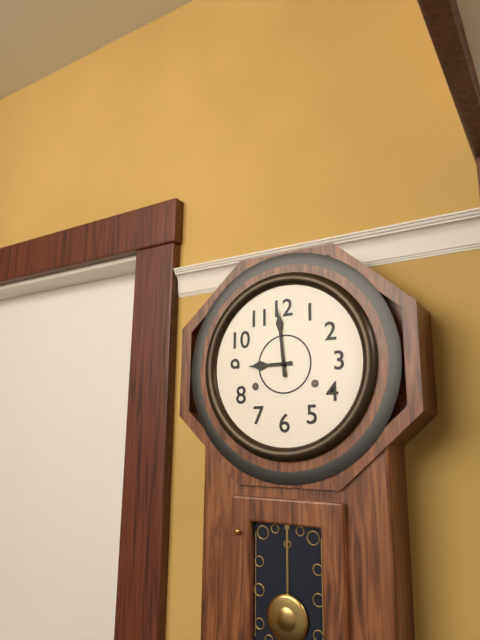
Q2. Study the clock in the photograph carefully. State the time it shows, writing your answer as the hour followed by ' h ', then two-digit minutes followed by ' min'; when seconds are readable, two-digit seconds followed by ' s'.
8 h 59 min
